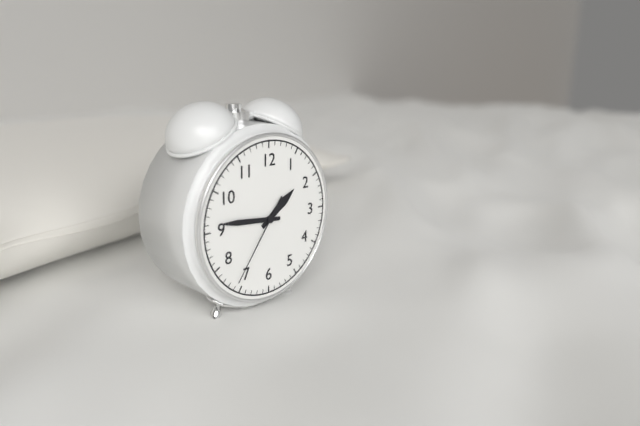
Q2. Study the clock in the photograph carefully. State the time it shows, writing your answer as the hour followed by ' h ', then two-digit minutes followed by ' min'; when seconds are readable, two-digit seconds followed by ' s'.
1 h 46 min 36 s
